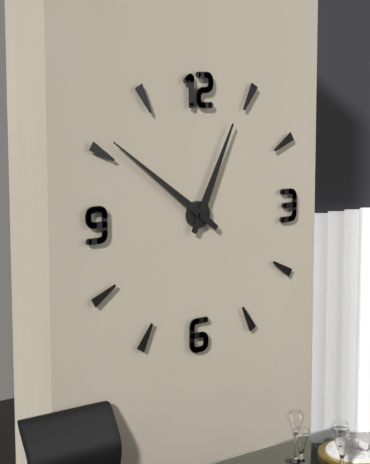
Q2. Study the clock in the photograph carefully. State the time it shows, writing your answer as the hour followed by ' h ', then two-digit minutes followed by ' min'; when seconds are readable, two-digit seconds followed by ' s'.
12 h 51 min
